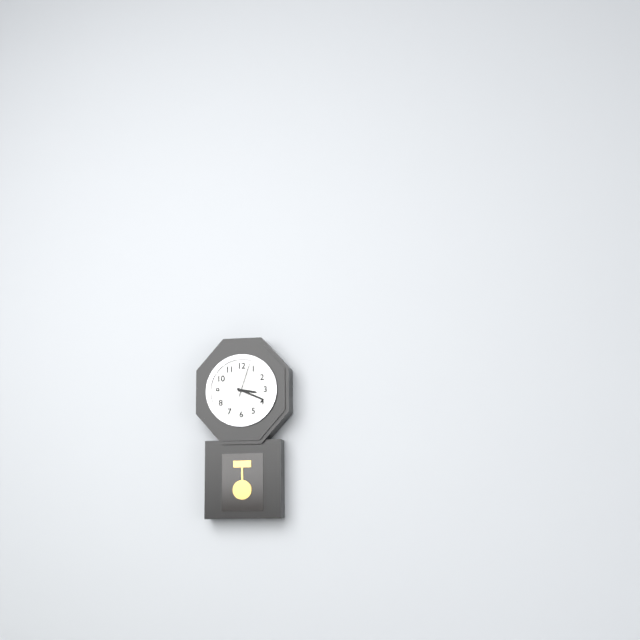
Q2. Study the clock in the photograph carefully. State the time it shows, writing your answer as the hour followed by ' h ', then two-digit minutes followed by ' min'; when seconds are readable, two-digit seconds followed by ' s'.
3 h 19 min
